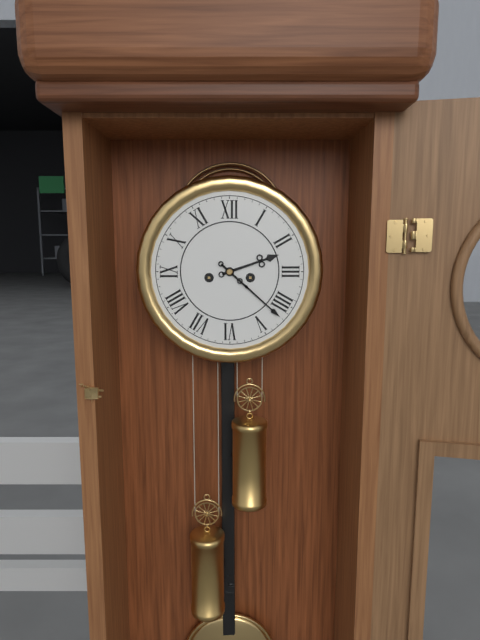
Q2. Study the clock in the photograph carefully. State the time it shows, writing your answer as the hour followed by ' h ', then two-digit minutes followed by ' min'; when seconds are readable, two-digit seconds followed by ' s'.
2 h 22 min
